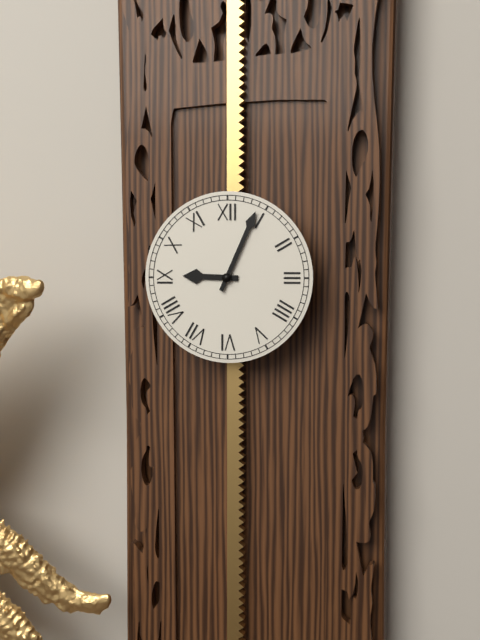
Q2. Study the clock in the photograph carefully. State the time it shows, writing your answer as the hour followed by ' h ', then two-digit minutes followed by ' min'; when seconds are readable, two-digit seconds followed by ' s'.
9 h 04 min
